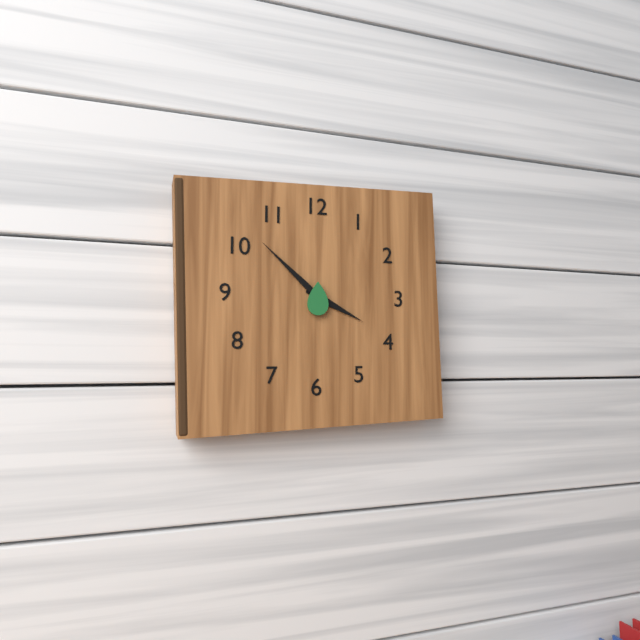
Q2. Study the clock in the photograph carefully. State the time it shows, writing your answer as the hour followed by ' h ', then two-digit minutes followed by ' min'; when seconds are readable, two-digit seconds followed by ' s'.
3 h 52 min
